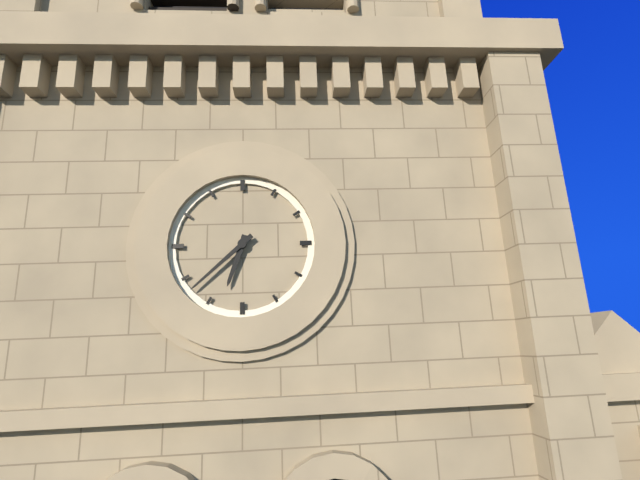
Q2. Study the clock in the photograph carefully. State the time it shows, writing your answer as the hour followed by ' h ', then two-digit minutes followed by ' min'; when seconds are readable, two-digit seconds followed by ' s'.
6 h 38 min
